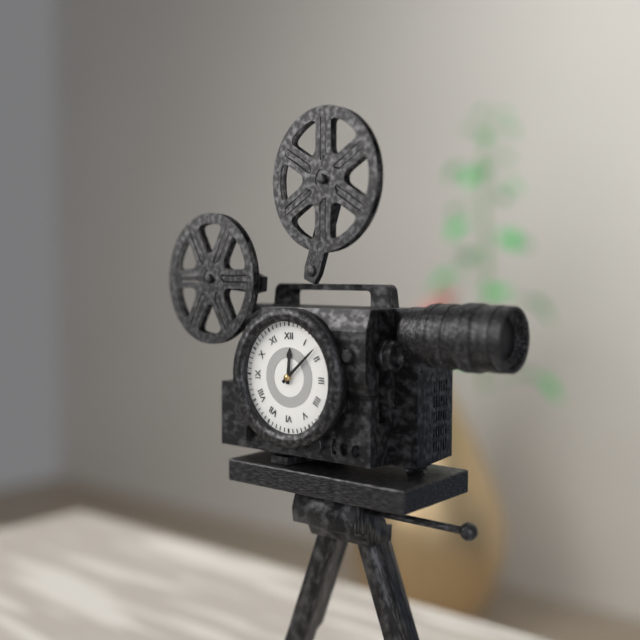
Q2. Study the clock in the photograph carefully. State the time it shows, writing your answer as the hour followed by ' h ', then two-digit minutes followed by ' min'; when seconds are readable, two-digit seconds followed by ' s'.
12 h 08 min
